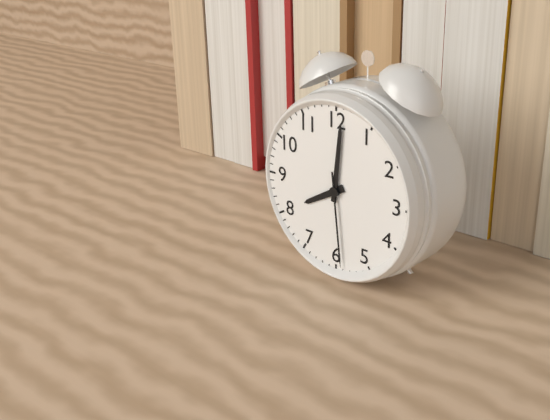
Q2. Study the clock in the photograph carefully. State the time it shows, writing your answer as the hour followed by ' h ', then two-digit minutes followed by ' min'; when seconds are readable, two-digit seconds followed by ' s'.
8 h 01 min 29 s
